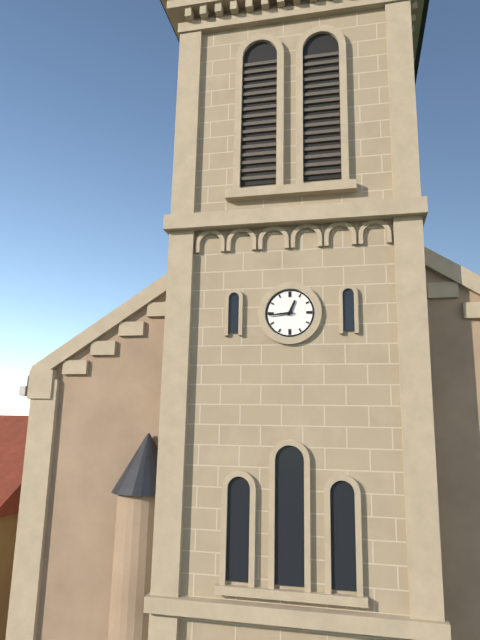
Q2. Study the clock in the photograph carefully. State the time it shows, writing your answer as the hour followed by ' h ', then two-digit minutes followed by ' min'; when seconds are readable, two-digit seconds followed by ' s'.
12 h 44 min
